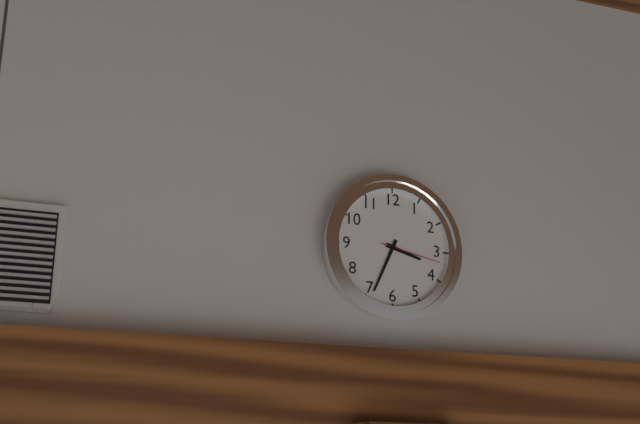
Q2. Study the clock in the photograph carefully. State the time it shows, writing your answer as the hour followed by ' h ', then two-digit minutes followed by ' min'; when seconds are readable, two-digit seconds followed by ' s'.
3 h 34 min 17 s
